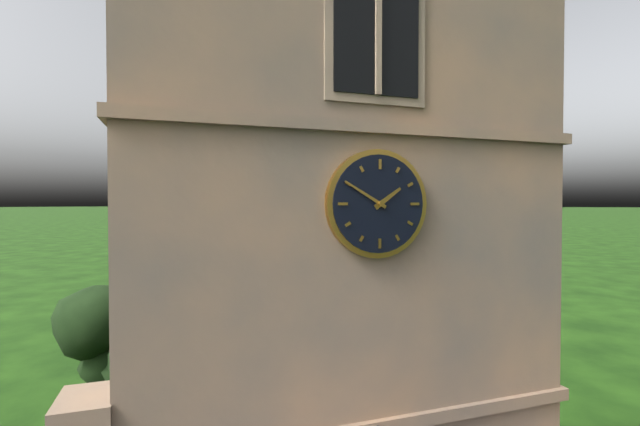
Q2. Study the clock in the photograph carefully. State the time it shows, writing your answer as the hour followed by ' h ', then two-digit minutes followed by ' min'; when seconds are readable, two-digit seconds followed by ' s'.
1 h 50 min
